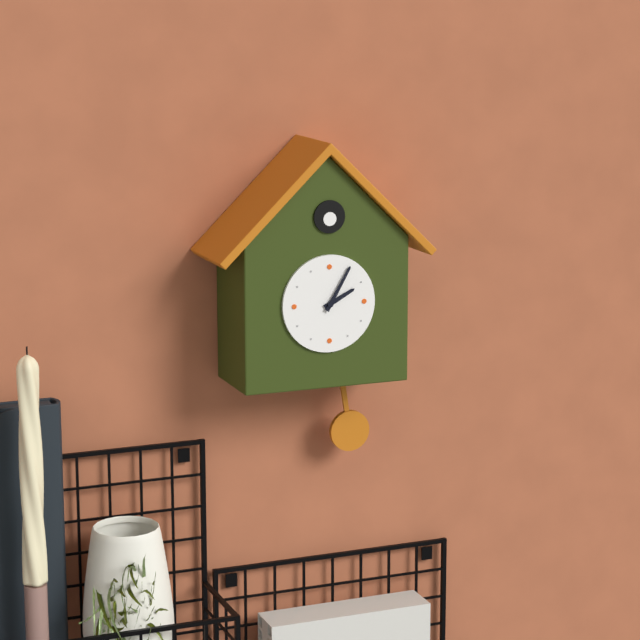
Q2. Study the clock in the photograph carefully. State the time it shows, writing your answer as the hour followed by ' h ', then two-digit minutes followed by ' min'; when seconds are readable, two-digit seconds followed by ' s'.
2 h 05 min
